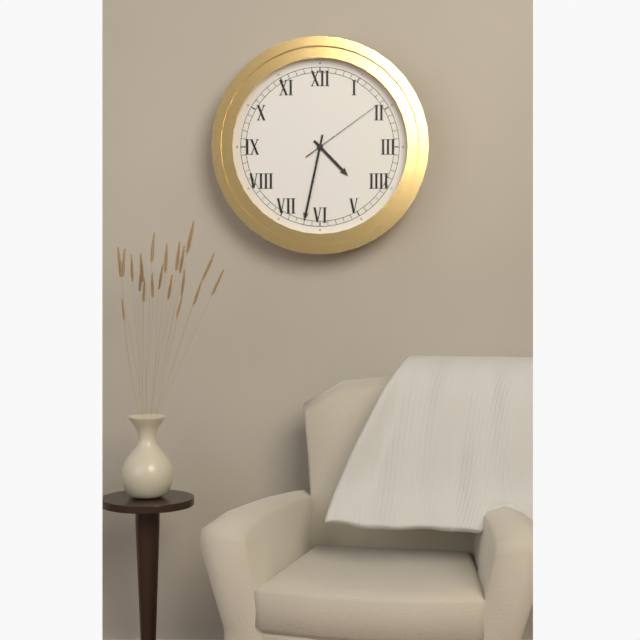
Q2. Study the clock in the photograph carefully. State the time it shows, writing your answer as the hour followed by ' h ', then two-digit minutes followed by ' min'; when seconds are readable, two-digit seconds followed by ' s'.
4 h 32 min 09 s
